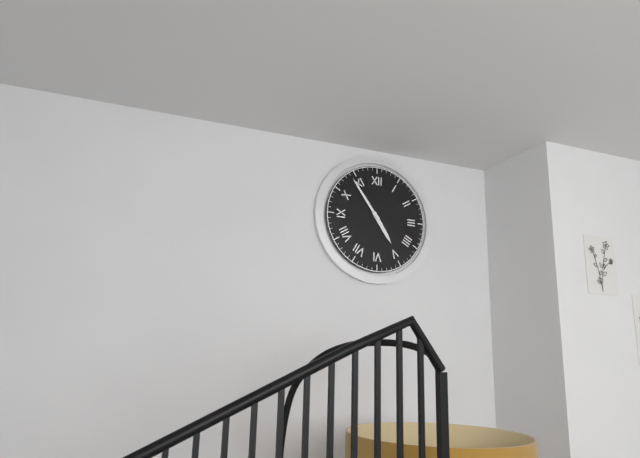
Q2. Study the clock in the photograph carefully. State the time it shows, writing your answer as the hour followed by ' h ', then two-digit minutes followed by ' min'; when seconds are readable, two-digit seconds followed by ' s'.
4 h 54 min
